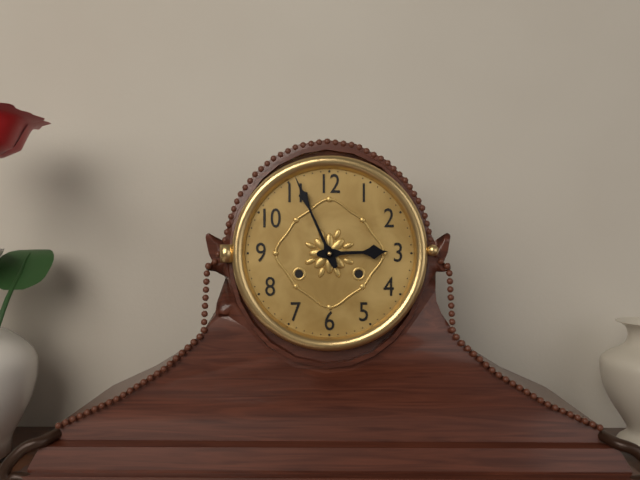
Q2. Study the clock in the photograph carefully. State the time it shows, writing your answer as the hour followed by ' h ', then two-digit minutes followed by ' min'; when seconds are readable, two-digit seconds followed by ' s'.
2 h 56 min
